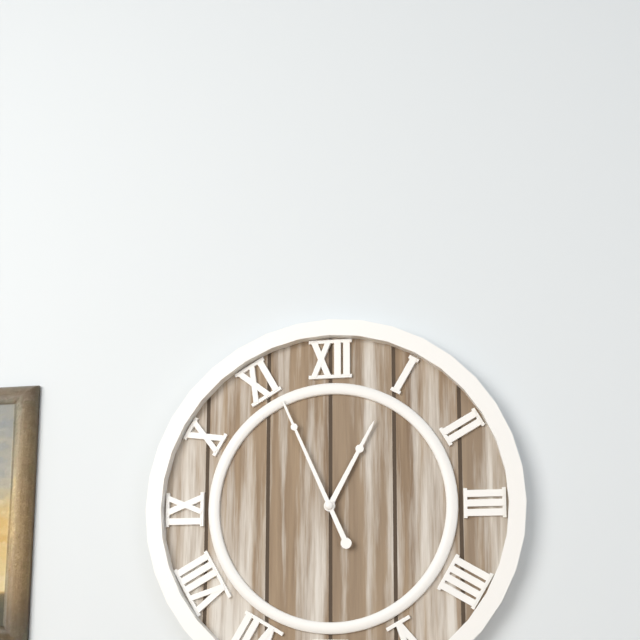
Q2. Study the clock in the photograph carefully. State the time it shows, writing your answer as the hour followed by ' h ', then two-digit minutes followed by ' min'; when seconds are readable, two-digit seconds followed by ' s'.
12 h 56 min
